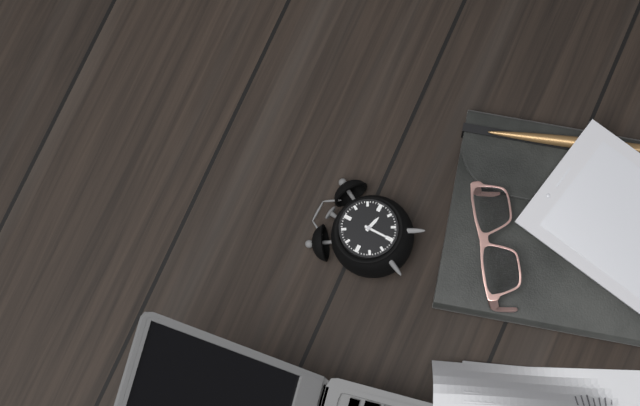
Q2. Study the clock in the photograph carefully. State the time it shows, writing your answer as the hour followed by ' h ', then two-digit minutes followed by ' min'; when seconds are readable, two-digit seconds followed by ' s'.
3 h 30 min
